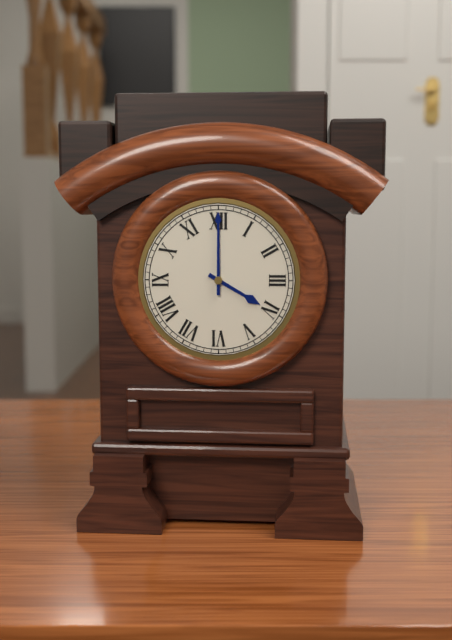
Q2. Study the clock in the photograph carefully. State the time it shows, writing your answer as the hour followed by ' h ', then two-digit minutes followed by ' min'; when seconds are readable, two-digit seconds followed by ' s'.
4 h 00 min
